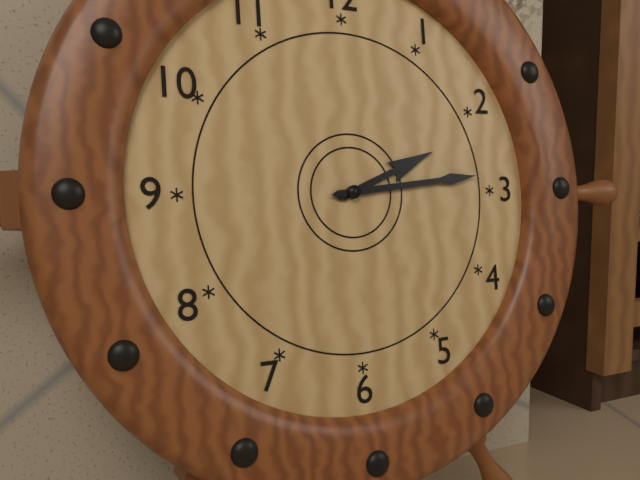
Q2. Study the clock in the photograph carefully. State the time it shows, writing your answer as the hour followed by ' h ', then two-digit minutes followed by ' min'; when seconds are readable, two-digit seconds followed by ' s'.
2 h 14 min
